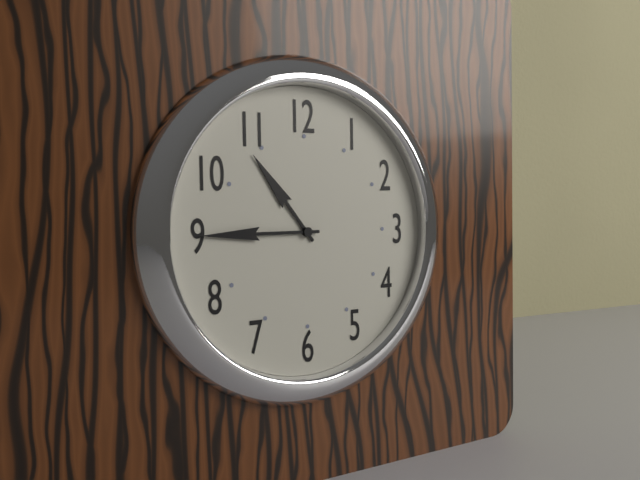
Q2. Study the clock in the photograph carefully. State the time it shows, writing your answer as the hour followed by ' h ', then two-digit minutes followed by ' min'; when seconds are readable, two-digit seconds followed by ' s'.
10 h 45 min
